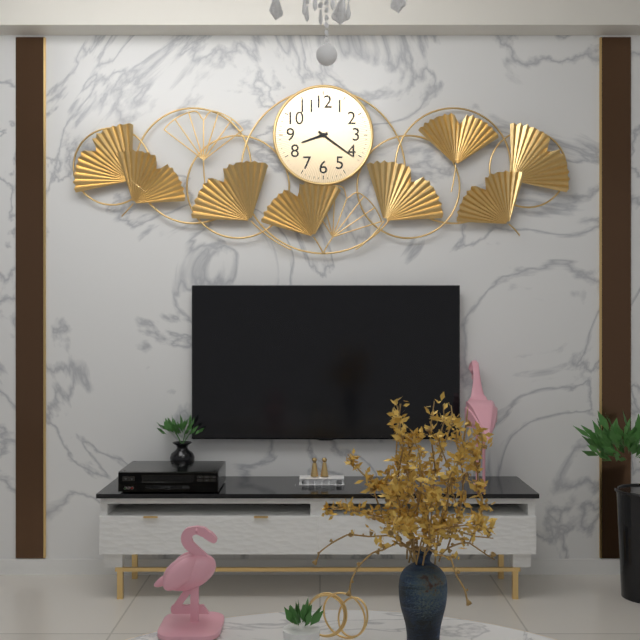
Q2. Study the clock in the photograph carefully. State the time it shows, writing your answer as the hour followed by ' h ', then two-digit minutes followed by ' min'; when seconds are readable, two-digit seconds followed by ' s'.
8 h 21 min
